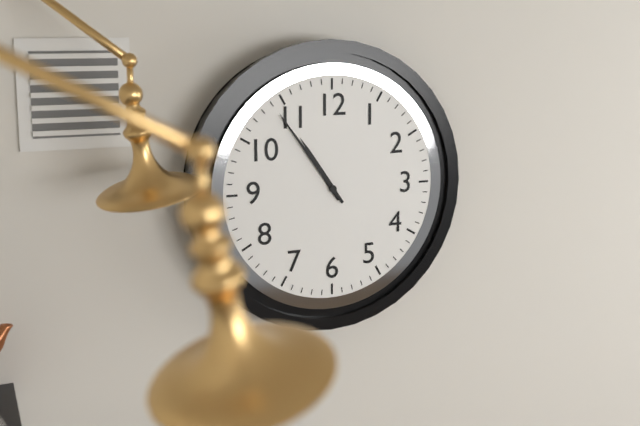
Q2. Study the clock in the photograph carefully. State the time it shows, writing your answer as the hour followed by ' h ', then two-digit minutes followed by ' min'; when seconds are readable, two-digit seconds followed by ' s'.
10 h 54 min
